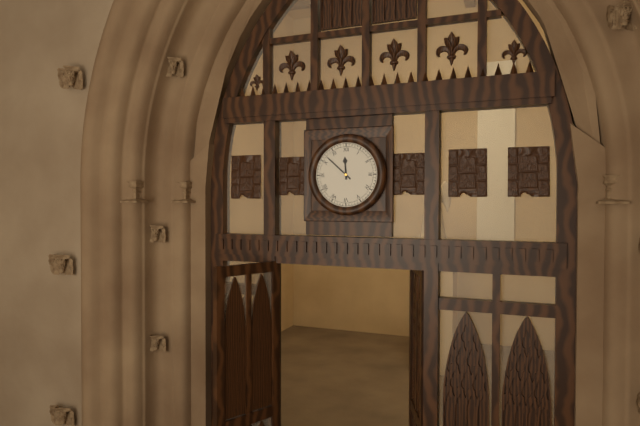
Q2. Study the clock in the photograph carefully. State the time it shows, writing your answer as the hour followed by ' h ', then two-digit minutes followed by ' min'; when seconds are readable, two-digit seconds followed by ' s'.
11 h 52 min
